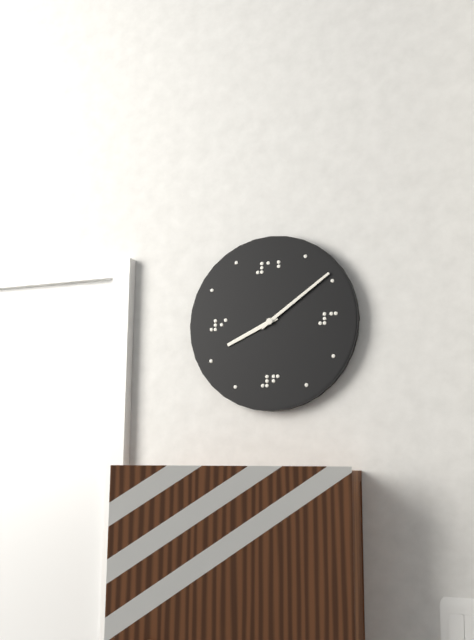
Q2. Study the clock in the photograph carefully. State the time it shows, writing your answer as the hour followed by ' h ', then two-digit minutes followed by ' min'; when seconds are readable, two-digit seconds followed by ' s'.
8 h 09 min
